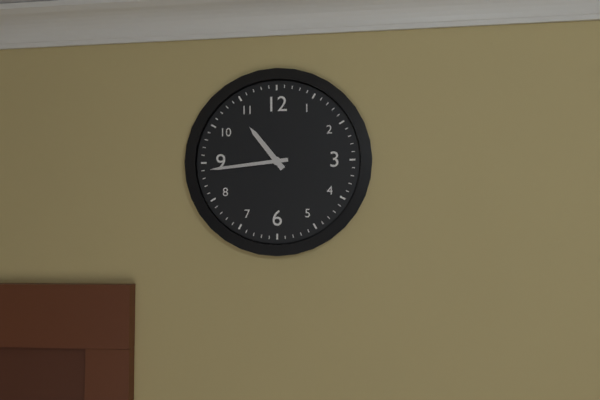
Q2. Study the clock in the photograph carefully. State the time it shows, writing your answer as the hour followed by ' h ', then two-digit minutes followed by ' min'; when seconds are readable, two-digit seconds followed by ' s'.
10 h 44 min
